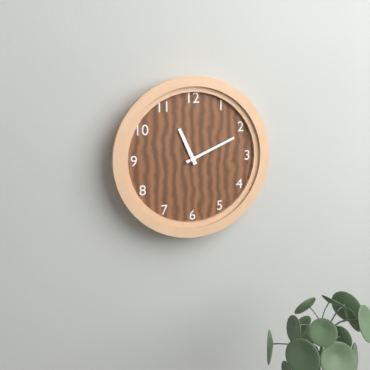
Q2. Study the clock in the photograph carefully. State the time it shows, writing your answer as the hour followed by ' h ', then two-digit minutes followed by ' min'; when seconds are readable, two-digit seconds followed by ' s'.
11 h 11 min
